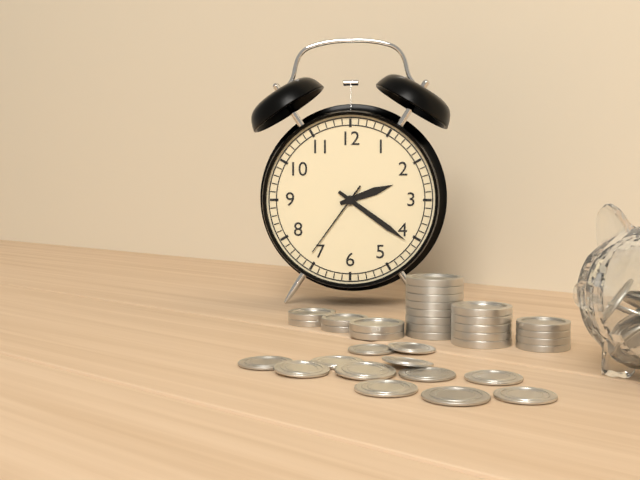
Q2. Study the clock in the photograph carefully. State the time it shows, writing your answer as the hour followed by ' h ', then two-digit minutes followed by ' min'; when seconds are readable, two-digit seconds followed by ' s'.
2 h 21 min 36 s
